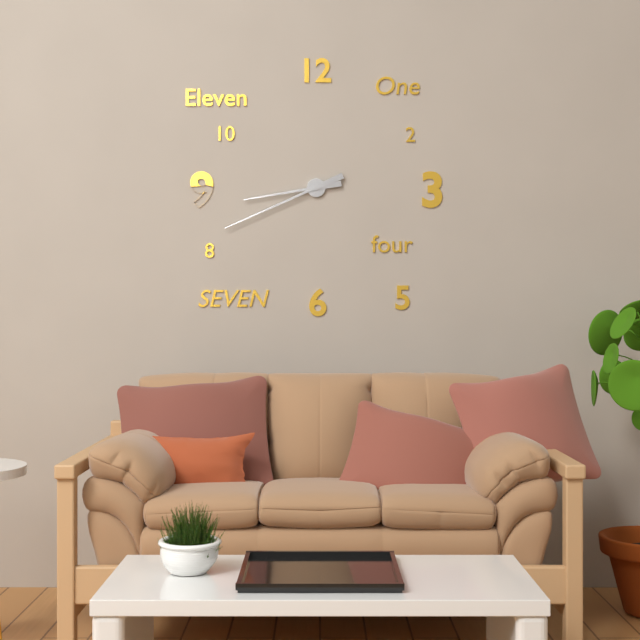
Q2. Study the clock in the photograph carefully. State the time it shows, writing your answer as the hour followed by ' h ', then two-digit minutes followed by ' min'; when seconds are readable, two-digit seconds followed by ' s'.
8 h 41 min
